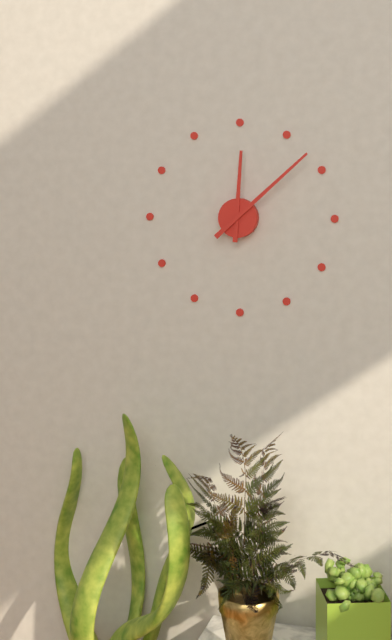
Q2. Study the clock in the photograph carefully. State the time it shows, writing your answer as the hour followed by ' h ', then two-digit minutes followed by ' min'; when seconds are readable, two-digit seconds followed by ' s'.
12 h 08 min
